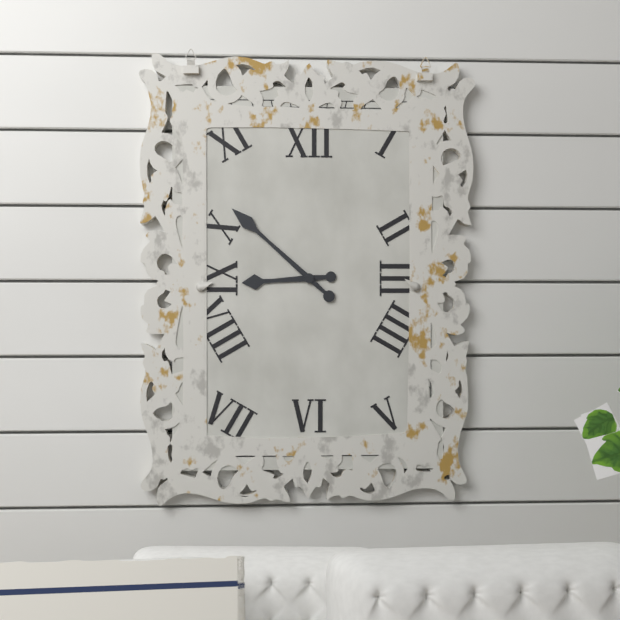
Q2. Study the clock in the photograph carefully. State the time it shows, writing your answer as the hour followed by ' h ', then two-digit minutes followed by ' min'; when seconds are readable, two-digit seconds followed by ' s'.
8 h 52 min
